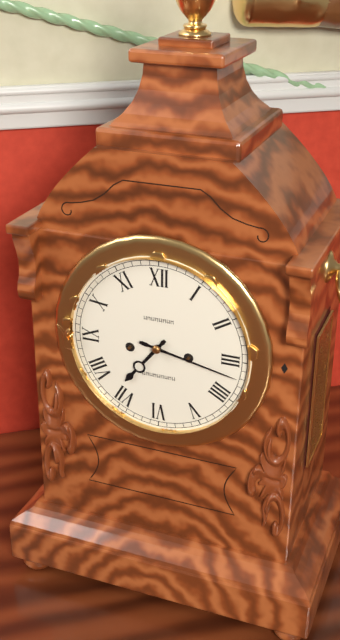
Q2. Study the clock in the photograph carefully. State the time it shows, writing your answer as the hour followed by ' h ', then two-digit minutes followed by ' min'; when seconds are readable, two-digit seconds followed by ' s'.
7 h 17 min
